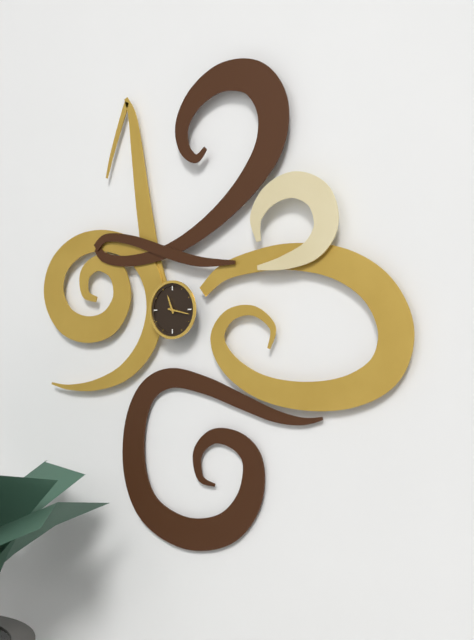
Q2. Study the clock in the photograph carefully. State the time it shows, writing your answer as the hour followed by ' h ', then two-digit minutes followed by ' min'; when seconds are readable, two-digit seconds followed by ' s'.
11 h 17 min
